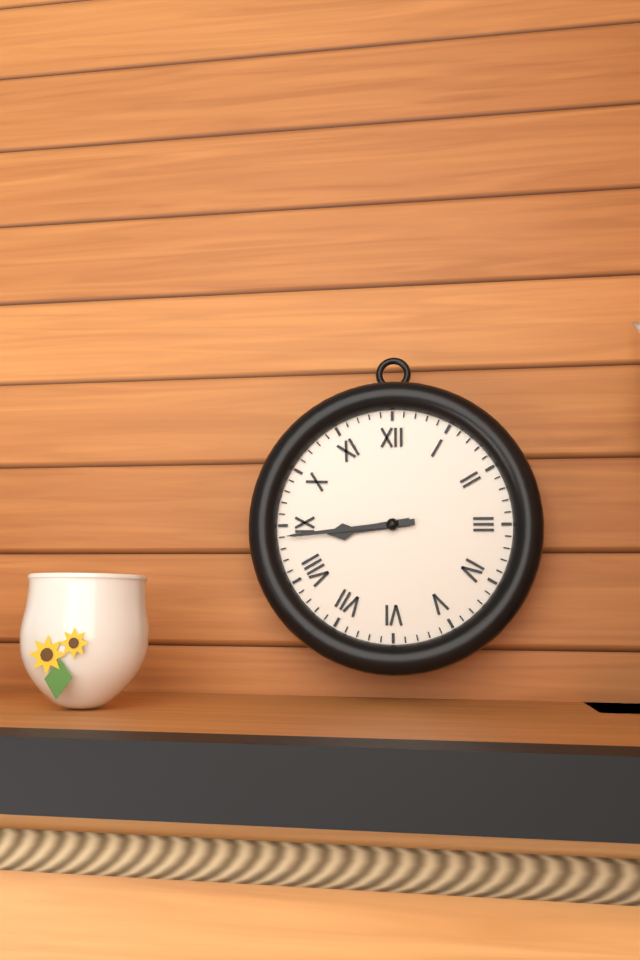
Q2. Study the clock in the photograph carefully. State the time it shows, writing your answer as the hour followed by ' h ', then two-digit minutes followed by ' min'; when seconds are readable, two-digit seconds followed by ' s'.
8 h 44 min
